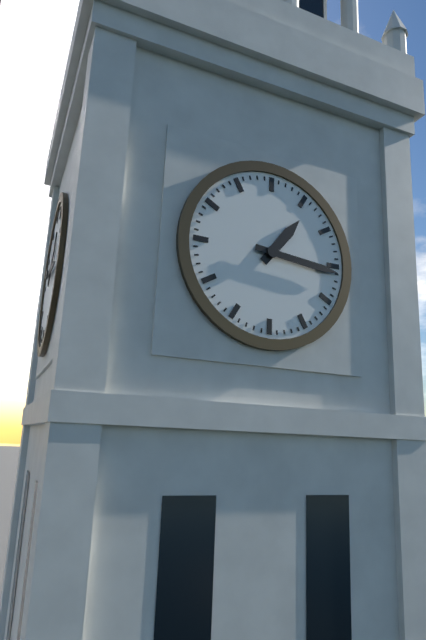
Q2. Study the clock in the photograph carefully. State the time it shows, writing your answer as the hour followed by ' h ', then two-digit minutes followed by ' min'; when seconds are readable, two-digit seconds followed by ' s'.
1 h 16 min
